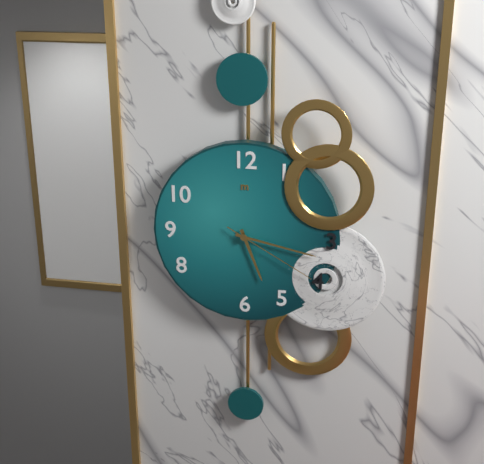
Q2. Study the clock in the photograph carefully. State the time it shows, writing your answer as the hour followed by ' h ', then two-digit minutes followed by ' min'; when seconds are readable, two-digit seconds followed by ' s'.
5 h 17 min 20 s
